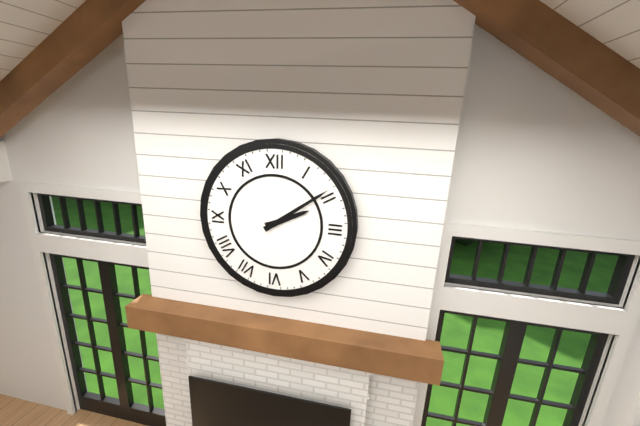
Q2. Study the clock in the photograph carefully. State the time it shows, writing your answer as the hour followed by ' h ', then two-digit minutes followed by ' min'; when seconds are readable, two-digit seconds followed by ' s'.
2 h 09 min
